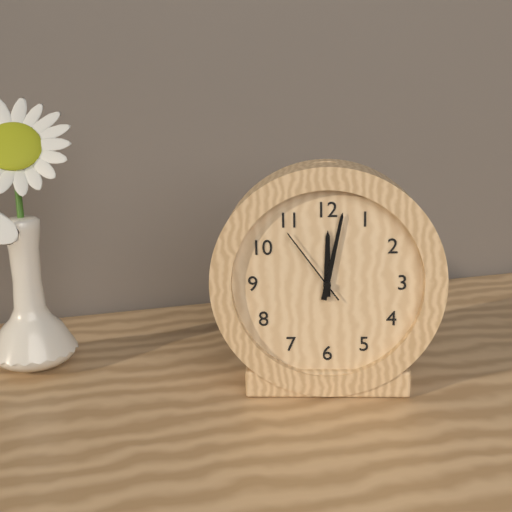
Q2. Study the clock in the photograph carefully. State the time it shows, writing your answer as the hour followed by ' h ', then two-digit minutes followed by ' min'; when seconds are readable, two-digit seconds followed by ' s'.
12 h 02 min 54 s
